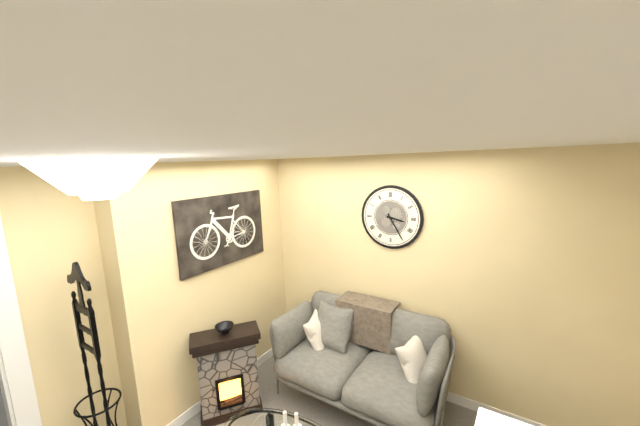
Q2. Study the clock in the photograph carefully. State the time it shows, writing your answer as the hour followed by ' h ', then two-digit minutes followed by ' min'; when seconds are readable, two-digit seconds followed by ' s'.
3 h 25 min
